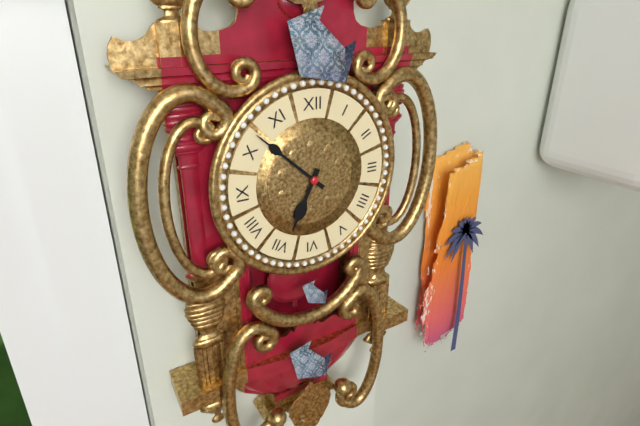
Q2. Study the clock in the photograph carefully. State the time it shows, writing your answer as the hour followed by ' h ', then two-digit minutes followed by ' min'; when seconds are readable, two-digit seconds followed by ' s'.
6 h 52 min
